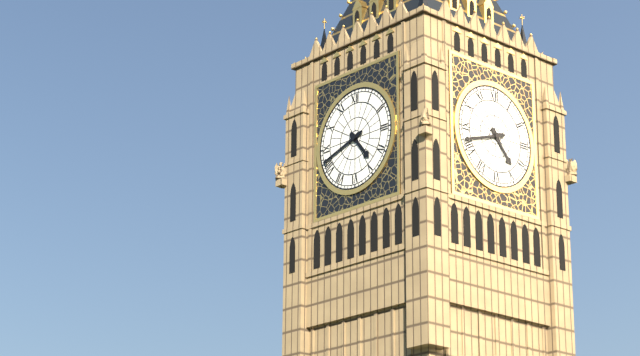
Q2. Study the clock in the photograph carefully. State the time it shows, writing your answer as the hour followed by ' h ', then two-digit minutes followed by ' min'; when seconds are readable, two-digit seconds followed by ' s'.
4 h 42 min
